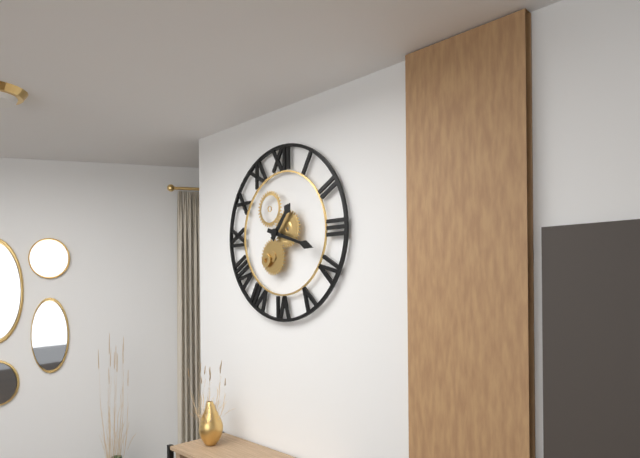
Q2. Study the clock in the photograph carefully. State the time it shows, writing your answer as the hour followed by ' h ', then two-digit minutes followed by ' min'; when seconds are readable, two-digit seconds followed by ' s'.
1 h 18 min
